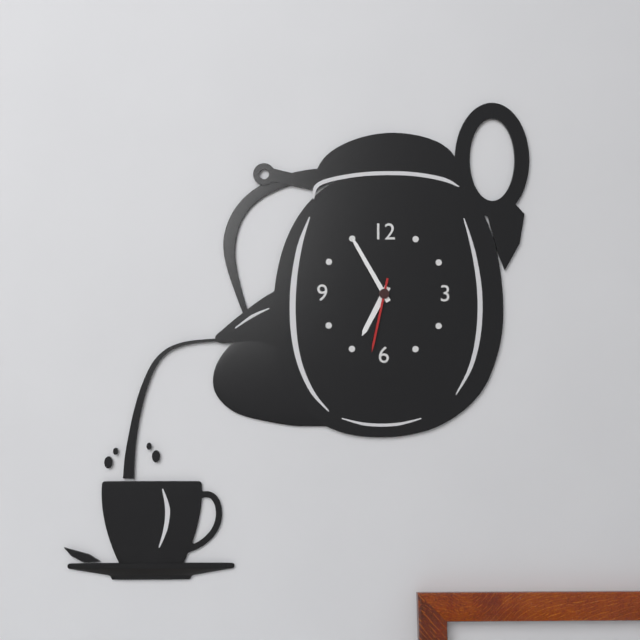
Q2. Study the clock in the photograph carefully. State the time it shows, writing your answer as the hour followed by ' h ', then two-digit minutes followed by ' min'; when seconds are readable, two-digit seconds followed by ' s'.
6 h 55 min 32 s
